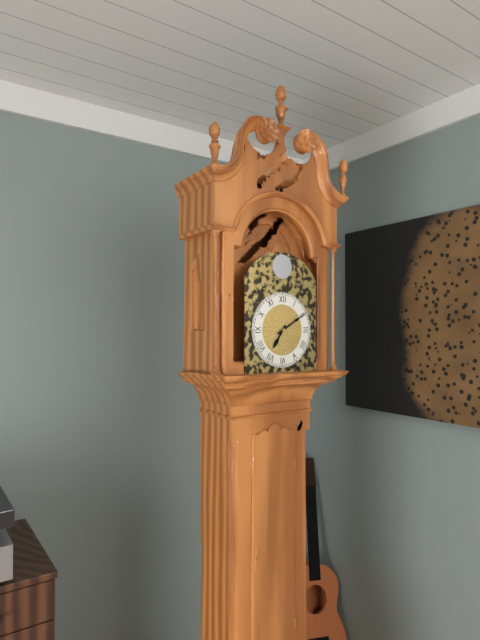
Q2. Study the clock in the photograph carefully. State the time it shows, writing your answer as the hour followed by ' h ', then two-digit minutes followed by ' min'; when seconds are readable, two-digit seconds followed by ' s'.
7 h 10 min
